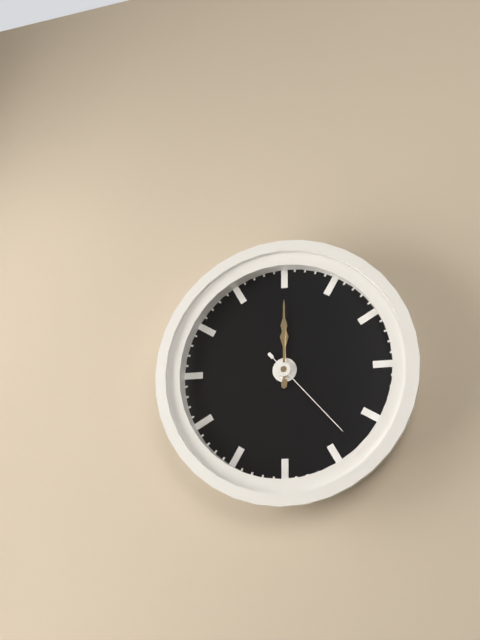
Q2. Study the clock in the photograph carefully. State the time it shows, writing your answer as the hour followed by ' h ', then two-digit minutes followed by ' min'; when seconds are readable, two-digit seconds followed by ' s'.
12 h 00 min 23 s
